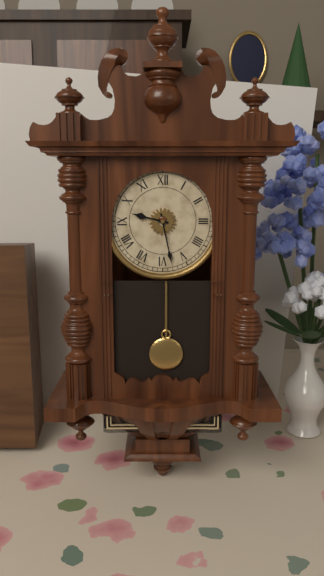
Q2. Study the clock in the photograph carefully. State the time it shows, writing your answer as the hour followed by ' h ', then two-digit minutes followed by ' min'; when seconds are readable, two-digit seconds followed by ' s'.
9 h 28 min
